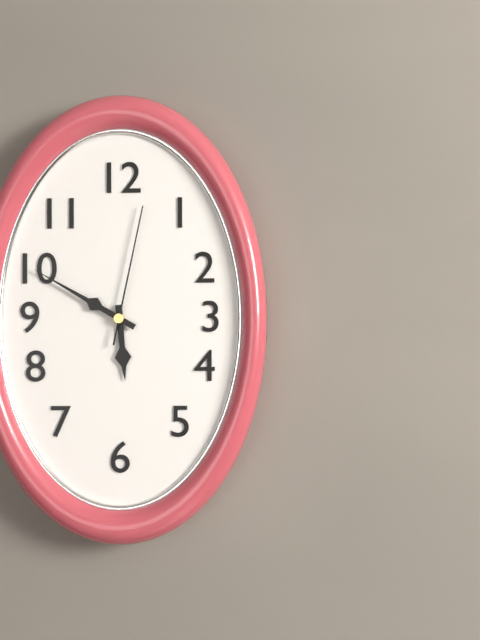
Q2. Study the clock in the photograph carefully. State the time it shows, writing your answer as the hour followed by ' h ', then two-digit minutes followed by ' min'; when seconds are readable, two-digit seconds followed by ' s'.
5 h 50 min 02 s
